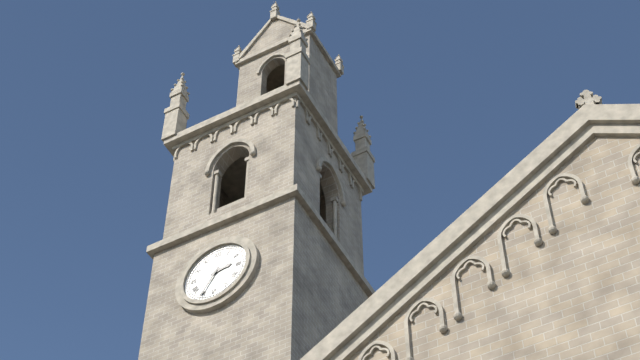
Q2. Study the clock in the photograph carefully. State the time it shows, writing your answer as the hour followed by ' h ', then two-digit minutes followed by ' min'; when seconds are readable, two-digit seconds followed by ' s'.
2 h 35 min
